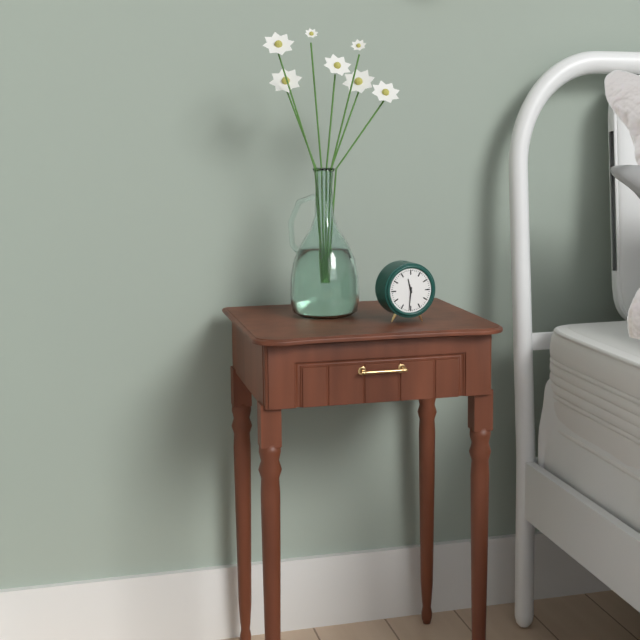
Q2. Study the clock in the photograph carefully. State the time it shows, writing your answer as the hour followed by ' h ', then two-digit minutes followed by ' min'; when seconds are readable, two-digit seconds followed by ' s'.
11 h 31 min
